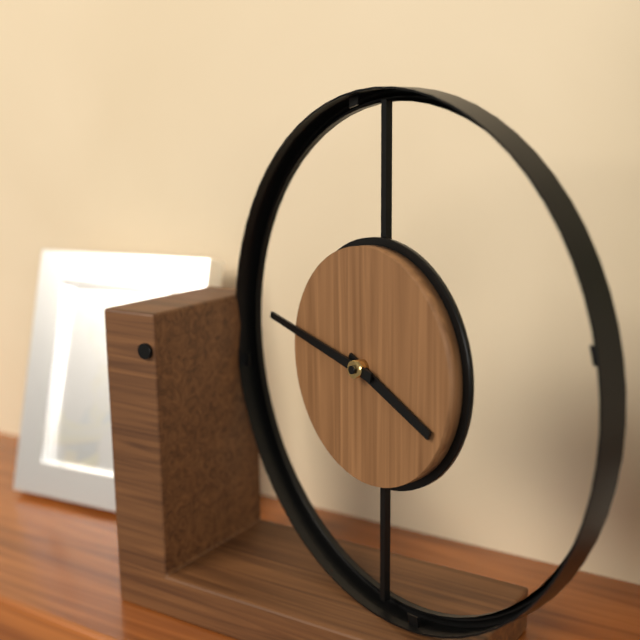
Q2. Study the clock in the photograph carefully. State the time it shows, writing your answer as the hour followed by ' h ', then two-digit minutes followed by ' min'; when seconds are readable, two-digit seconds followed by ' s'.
3 h 47 min
